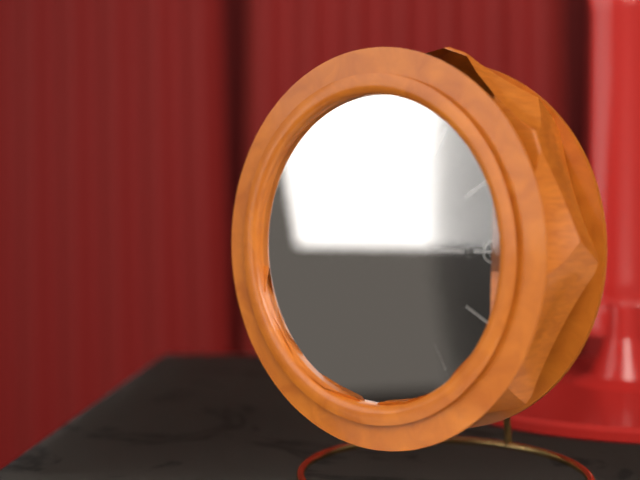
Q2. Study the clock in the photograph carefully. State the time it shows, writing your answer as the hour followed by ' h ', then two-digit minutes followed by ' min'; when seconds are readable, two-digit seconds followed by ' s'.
6 h 15 min 50 s
